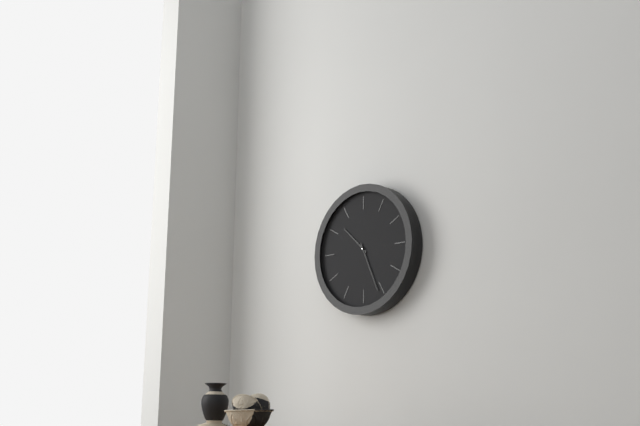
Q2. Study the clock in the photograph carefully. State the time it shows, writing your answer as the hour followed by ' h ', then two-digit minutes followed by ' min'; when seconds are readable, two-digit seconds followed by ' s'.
10 h 26 min
